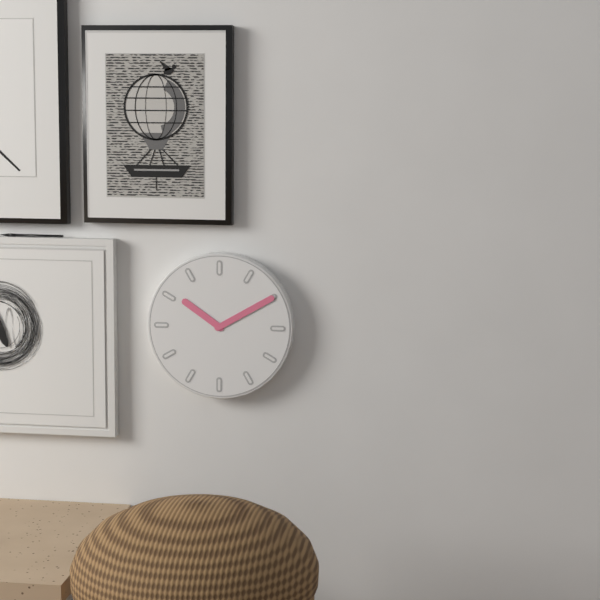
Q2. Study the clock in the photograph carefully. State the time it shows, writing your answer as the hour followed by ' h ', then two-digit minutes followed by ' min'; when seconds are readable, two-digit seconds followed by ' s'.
10 h 10 min
